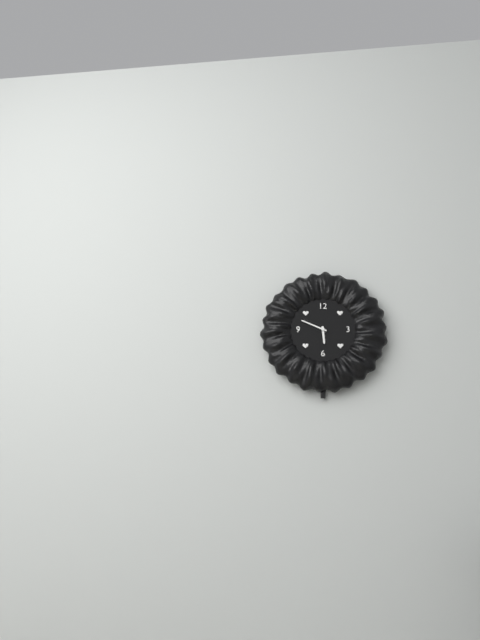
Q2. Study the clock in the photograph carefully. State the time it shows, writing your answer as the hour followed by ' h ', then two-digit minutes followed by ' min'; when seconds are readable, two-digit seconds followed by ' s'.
5 h 49 min
